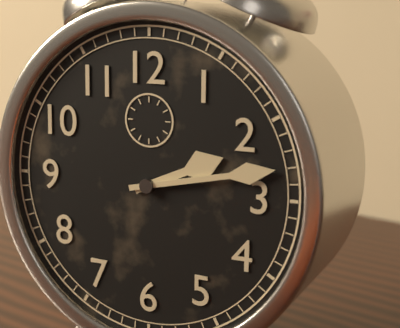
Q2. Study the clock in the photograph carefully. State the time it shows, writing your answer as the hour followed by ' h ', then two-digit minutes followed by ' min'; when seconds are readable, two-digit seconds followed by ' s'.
2 h 13 min
